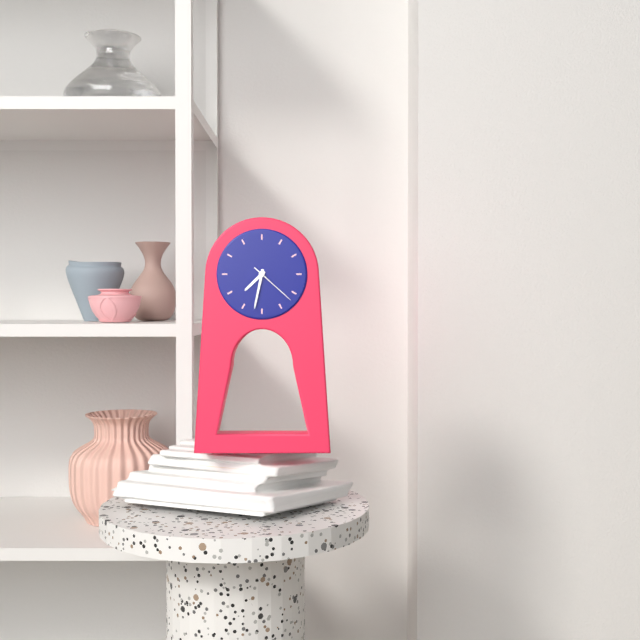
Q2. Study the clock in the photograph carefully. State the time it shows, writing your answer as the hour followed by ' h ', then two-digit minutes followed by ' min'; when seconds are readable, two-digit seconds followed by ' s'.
7 h 32 min
